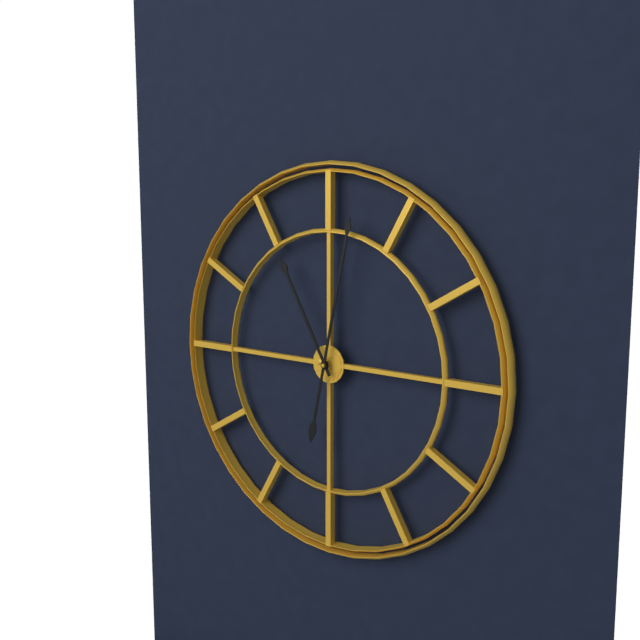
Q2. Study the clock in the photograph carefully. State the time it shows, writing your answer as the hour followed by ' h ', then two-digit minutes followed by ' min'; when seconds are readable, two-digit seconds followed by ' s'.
11 h 02 min
